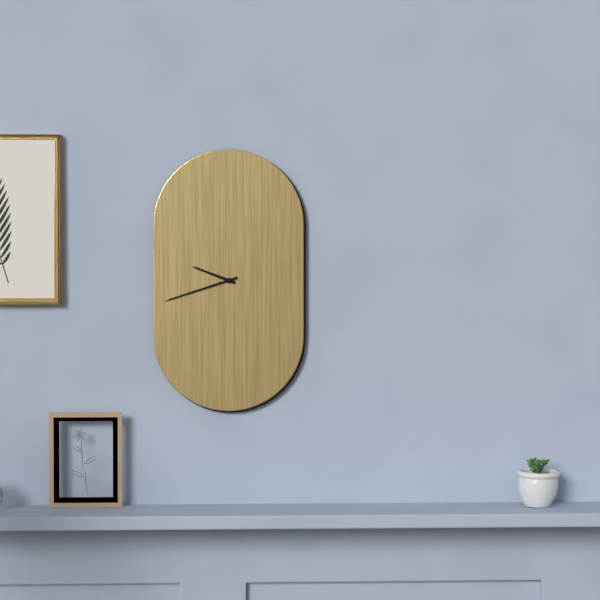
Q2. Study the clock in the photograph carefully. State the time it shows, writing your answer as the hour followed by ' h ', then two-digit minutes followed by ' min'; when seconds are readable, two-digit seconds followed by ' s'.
9 h 42 min
